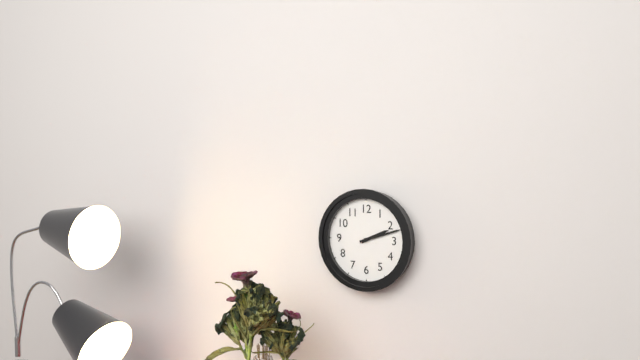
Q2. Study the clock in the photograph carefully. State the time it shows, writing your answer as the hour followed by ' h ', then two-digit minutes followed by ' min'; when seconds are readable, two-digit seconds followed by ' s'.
2 h 12 min
